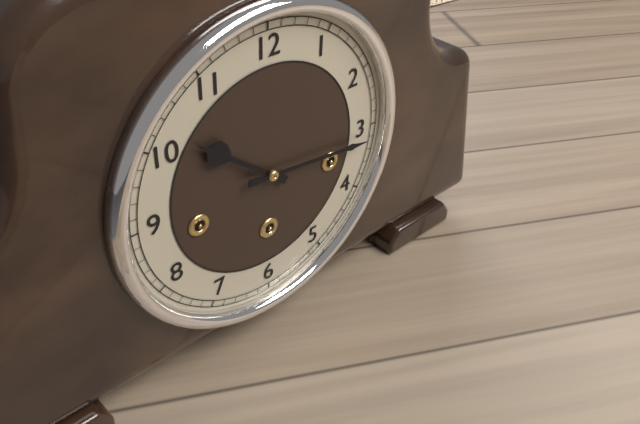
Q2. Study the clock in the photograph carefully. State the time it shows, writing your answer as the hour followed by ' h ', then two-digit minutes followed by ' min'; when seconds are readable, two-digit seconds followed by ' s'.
10 h 16 min
